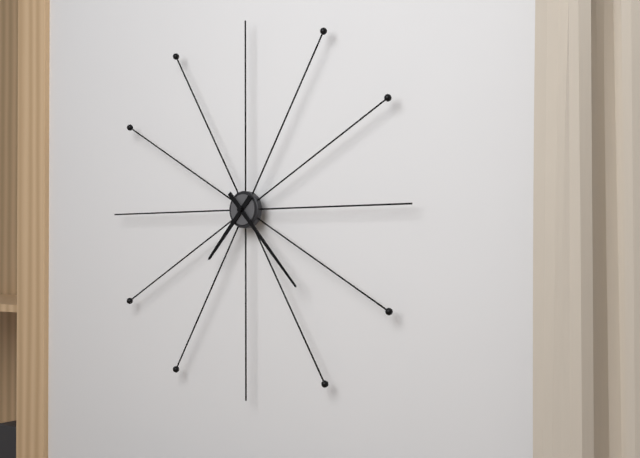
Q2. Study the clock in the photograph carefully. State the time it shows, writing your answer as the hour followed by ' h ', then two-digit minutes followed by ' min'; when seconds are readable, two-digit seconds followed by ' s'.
7 h 23 min
